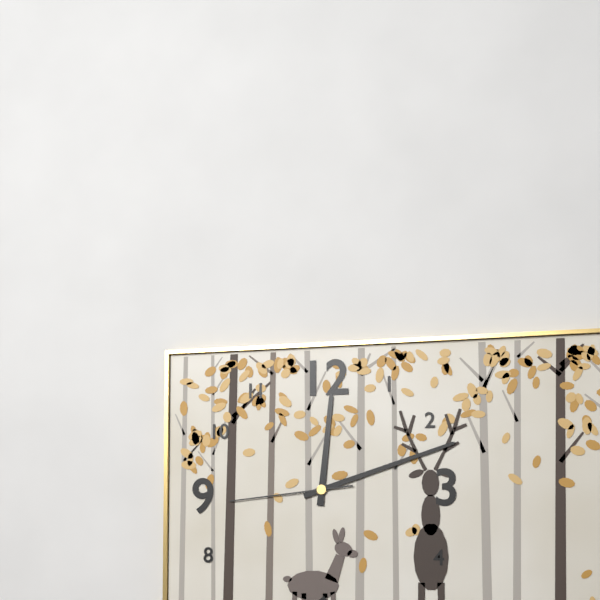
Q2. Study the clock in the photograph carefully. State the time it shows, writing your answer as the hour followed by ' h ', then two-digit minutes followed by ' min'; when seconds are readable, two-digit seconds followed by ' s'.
12 h 12 min 44 s
